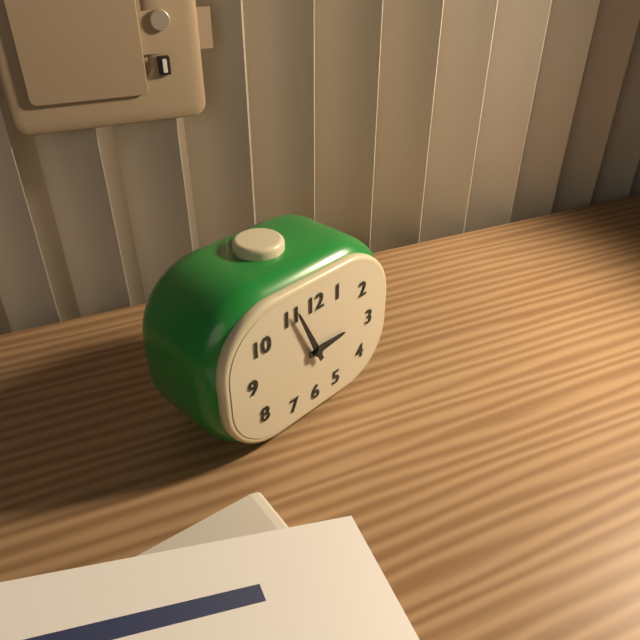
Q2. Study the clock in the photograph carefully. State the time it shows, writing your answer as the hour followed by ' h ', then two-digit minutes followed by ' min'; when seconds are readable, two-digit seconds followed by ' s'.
2 h 56 min
